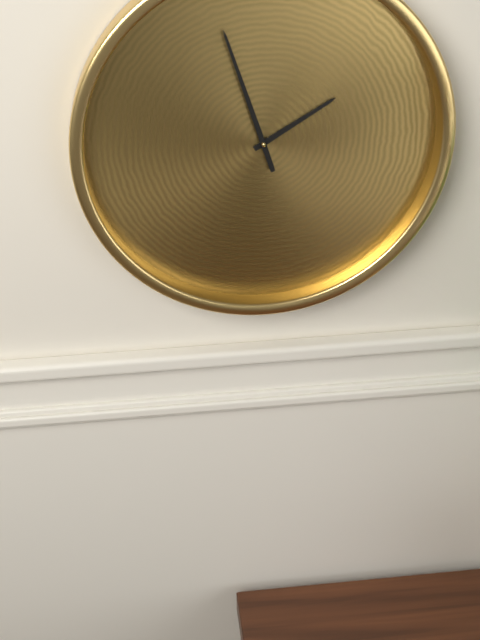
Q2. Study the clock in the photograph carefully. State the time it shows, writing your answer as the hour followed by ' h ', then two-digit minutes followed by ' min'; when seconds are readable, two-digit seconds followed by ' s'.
1 h 57 min
